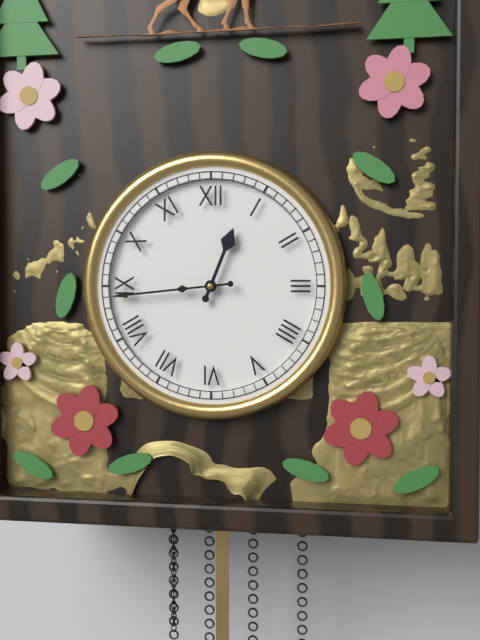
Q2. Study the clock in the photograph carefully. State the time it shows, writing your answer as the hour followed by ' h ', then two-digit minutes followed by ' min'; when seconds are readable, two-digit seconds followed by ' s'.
12 h 44 min
